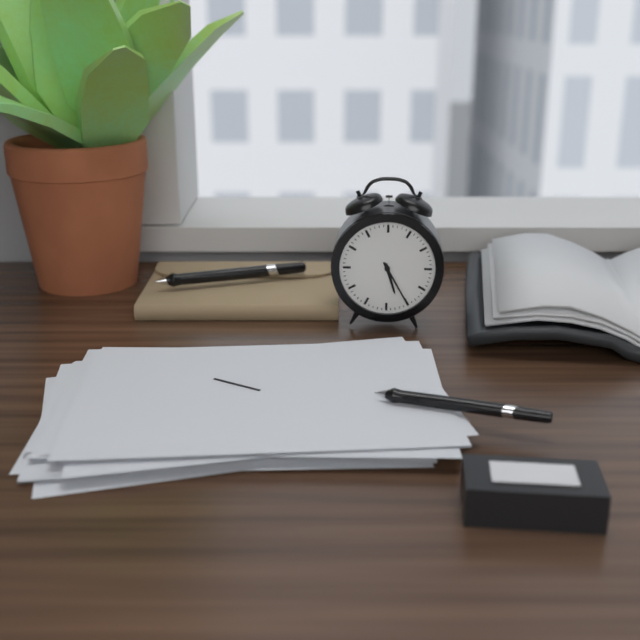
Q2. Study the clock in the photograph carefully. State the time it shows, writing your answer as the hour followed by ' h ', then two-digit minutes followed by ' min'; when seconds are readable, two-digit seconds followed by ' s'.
5 h 25 min
